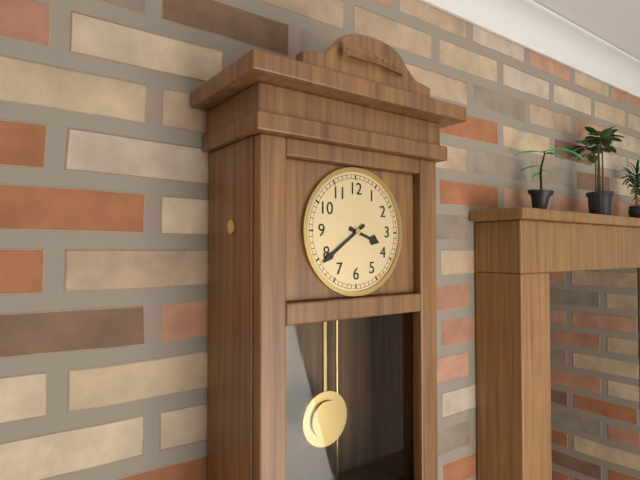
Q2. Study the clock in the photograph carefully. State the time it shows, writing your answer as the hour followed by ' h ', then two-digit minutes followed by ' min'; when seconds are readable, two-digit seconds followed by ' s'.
3 h 39 min
